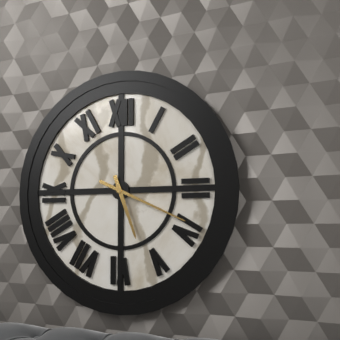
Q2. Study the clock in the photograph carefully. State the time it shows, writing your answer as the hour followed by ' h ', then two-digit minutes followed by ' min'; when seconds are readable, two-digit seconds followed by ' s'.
5 h 19 min
